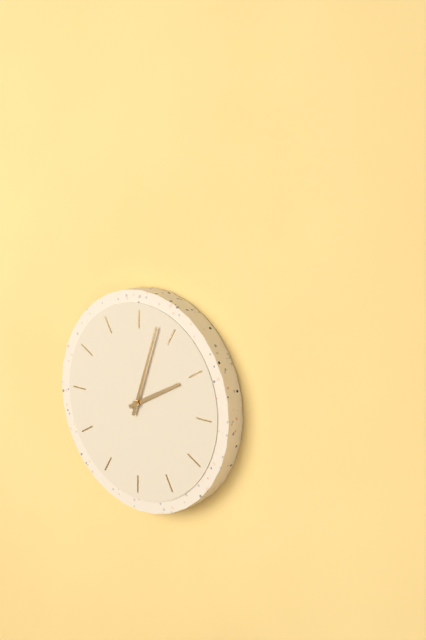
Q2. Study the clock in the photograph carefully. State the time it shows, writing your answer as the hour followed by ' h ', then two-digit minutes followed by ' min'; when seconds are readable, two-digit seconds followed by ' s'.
2 h 03 min
